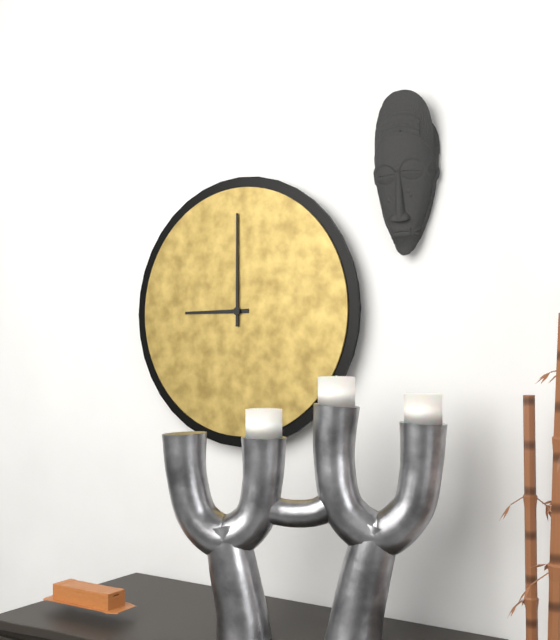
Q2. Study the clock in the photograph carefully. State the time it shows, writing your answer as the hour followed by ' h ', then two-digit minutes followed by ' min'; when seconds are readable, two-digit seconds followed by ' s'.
9 h 00 min
